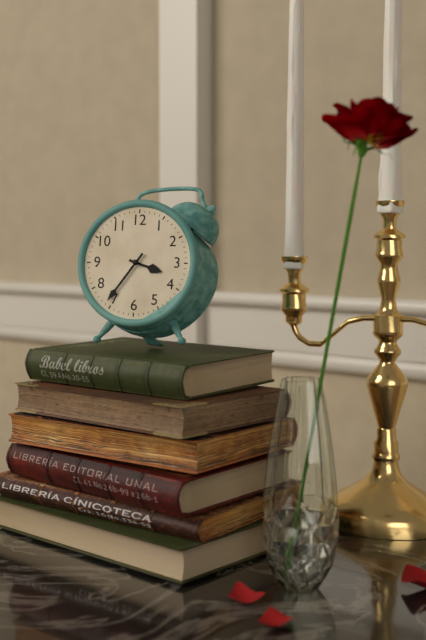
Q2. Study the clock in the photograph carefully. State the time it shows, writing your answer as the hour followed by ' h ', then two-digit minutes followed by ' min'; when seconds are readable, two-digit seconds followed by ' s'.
3 h 36 min
